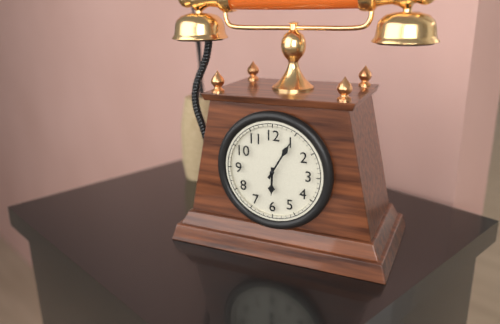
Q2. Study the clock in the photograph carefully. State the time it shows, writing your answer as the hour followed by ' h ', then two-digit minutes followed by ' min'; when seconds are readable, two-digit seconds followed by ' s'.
6 h 05 min
